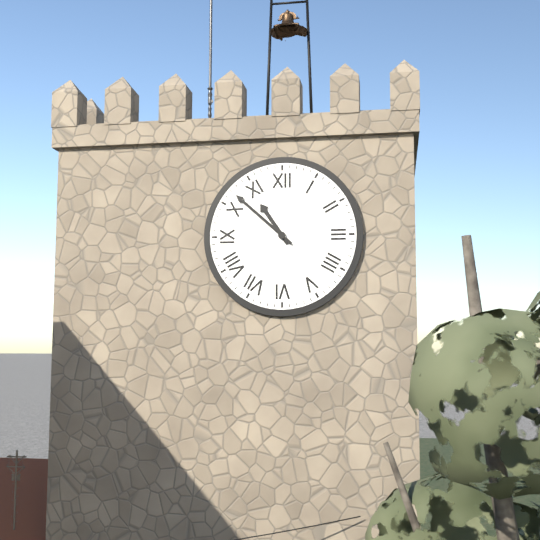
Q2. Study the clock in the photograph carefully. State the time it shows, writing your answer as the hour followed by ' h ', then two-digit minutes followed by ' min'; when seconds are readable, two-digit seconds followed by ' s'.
10 h 52 min
